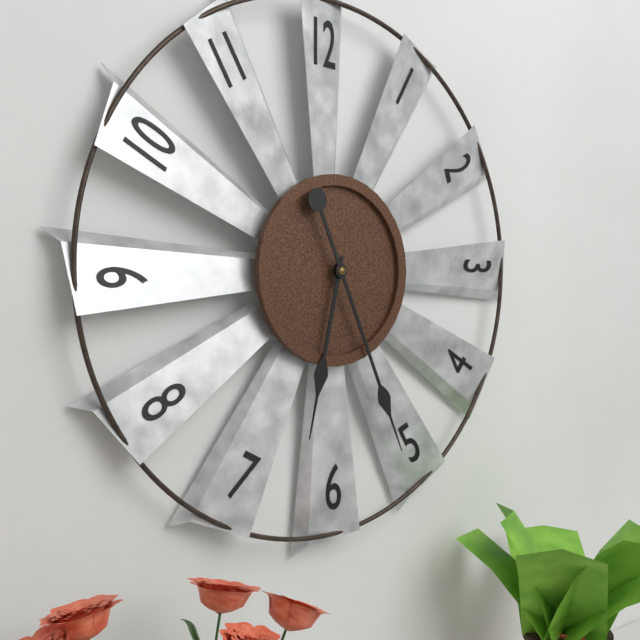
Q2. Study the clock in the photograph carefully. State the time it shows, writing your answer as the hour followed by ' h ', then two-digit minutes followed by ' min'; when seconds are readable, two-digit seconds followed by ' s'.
6 h 26 min
